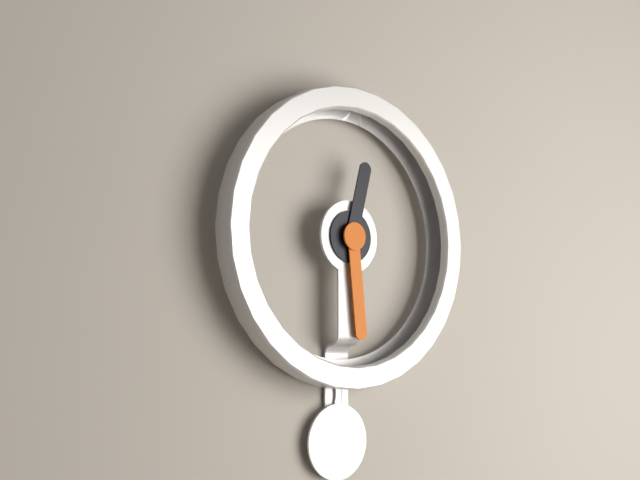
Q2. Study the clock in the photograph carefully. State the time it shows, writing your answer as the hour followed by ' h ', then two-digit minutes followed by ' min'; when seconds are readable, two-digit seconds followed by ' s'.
12 h 29 min
